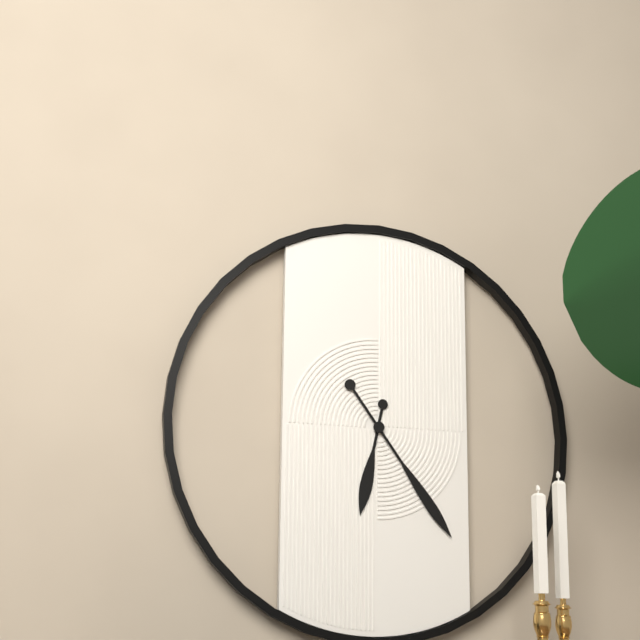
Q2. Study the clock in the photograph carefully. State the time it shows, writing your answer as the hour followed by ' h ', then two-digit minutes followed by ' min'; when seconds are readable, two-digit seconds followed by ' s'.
6 h 24 min
